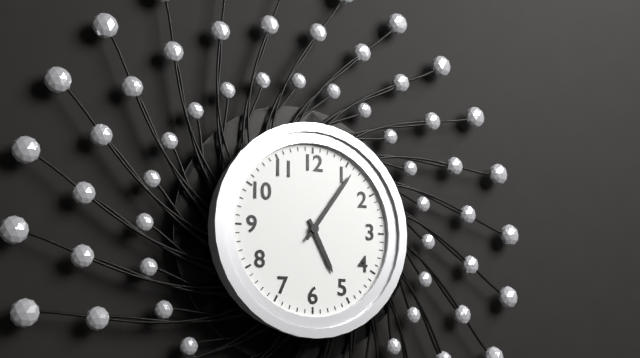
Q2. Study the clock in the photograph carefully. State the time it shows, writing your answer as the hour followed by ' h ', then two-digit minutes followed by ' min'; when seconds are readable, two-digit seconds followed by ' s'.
5 h 06 min
